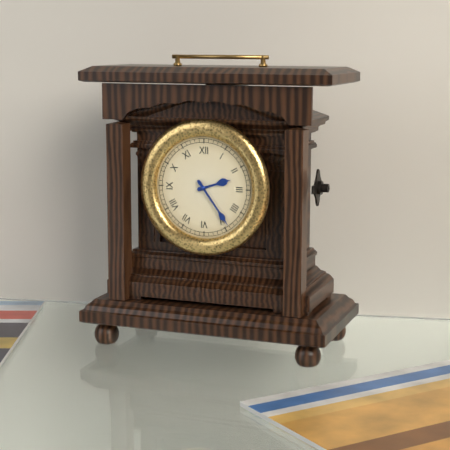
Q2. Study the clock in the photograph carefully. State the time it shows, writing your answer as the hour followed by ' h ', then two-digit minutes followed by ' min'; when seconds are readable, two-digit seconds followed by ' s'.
2 h 24 min
